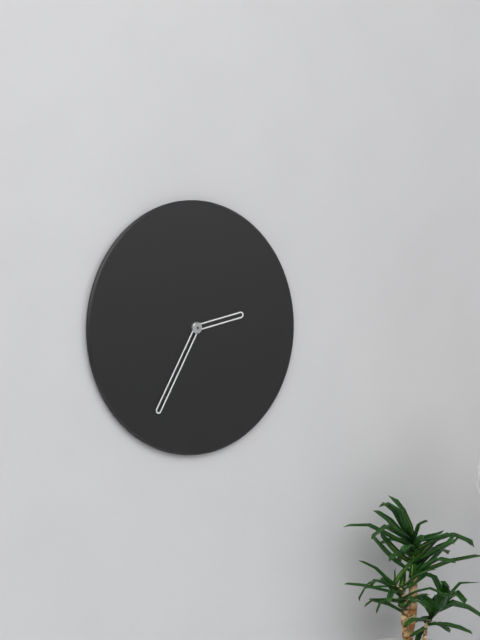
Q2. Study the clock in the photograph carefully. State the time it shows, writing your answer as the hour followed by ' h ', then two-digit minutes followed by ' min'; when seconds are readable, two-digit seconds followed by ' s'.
2 h 35 min
